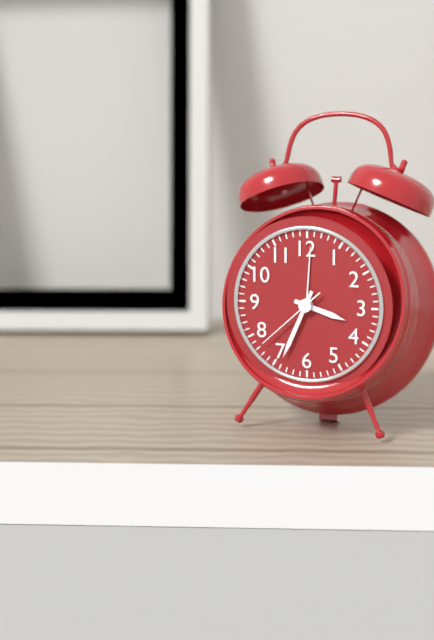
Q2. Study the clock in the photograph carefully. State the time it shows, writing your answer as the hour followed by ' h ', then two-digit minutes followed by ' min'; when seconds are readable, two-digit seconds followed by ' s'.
3 h 34 min 38 s
